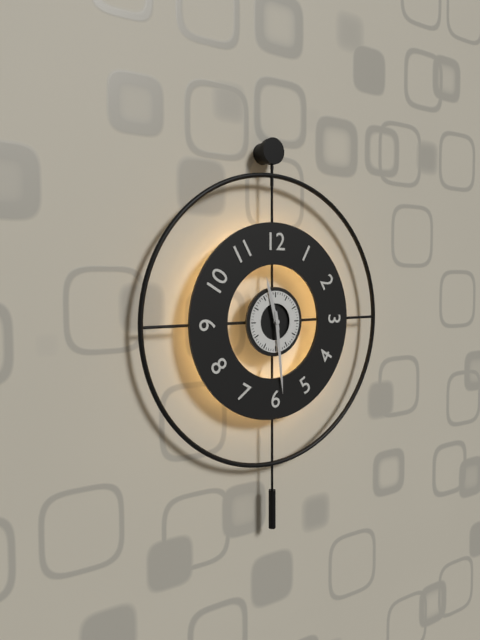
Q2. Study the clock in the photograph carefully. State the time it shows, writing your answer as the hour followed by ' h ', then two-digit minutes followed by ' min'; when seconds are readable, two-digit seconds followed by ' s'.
11 h 29 min
